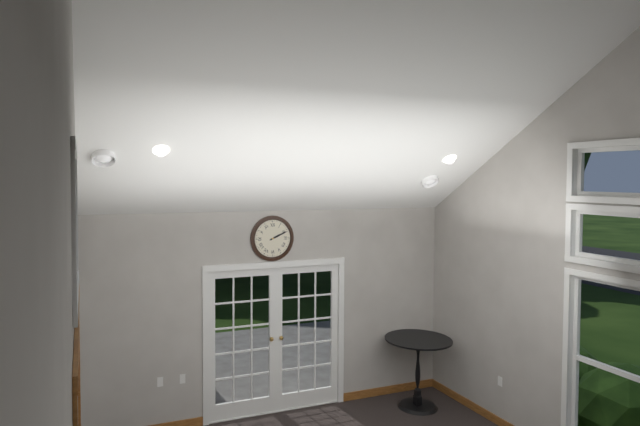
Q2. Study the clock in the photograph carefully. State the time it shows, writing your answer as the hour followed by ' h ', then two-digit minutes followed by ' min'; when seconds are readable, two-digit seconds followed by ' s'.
2 h 11 min
